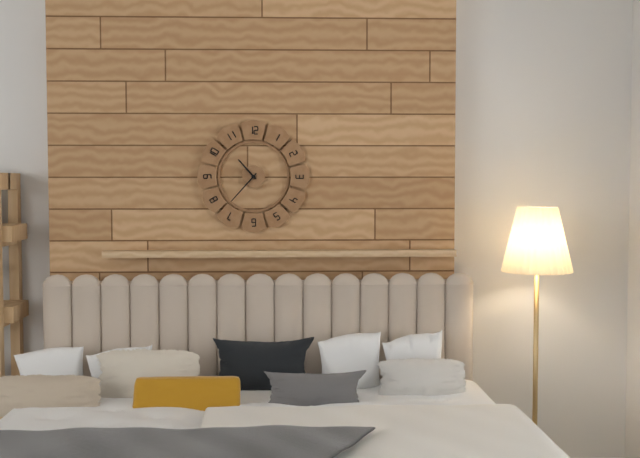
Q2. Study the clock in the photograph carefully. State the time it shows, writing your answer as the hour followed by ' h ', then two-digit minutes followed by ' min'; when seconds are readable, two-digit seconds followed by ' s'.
10 h 37 min
